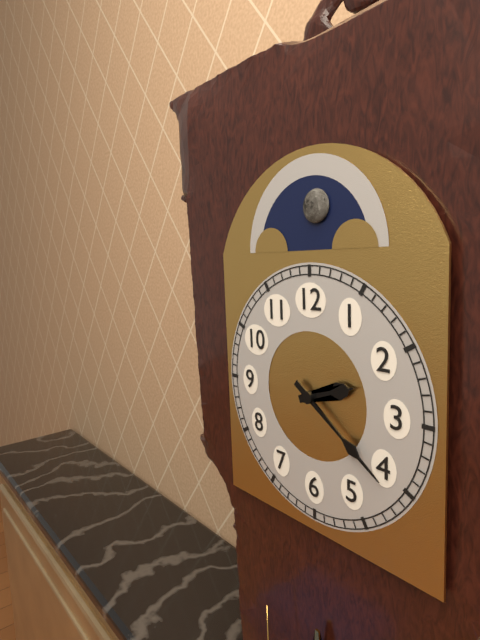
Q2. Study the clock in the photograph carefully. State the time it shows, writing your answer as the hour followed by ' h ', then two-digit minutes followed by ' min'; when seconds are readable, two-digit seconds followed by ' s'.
2 h 21 min
